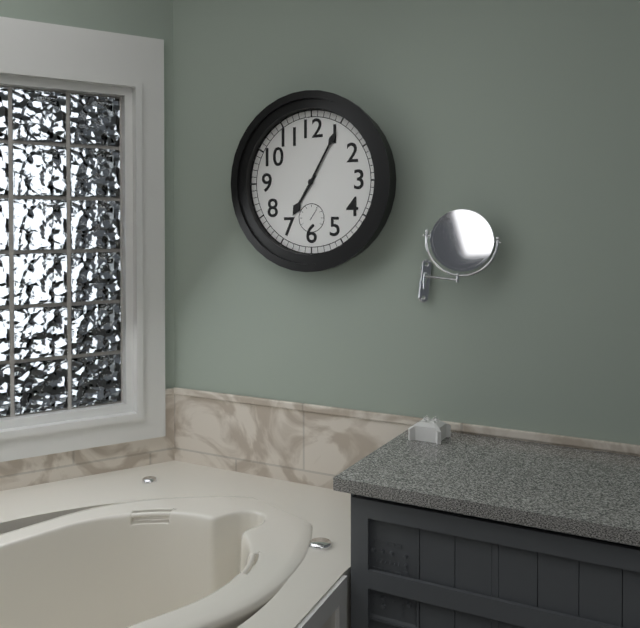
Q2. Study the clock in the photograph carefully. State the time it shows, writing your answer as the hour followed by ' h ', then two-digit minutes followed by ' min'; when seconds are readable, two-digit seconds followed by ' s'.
7 h 05 min
